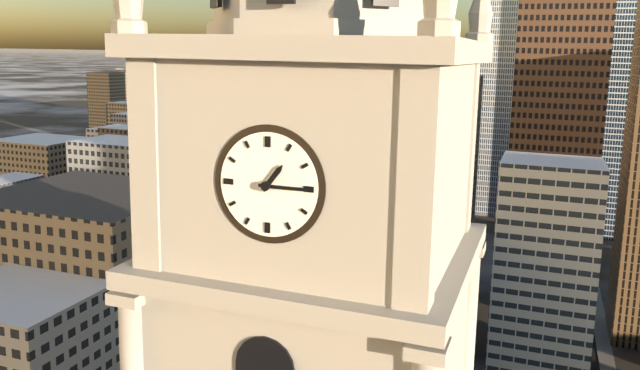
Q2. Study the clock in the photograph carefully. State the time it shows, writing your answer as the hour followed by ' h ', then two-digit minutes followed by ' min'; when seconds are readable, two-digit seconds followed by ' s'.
1 h 15 min
